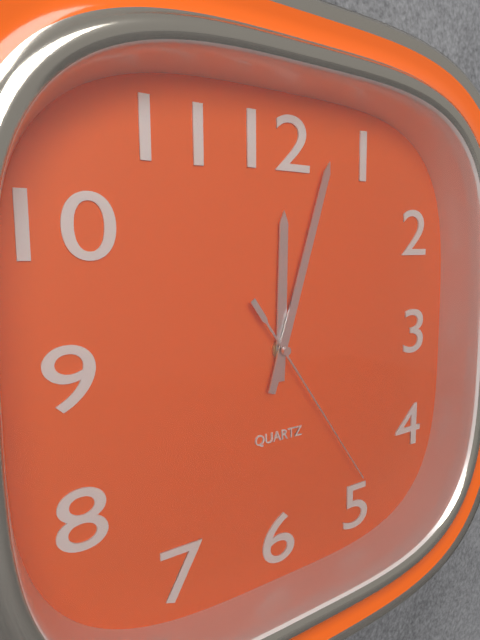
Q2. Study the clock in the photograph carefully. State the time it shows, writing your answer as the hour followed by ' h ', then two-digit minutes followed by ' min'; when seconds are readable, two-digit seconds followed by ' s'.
12 h 03 min 24 s
